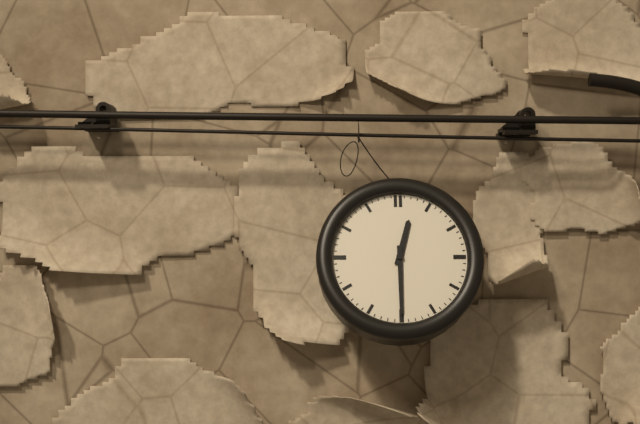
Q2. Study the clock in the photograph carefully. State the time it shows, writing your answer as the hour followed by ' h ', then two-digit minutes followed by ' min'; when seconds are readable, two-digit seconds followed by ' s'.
12 h 30 min
